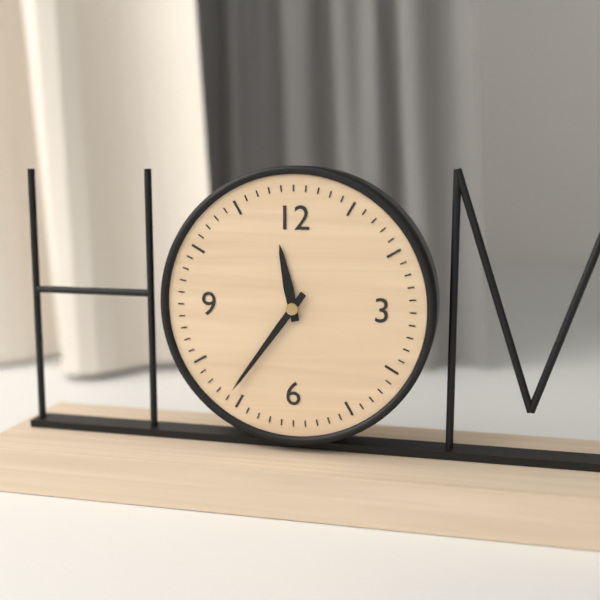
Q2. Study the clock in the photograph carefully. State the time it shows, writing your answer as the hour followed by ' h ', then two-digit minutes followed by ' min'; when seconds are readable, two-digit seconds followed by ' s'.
11 h 36 min
